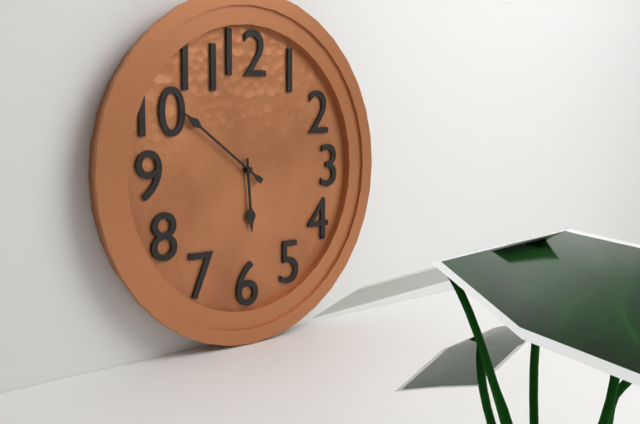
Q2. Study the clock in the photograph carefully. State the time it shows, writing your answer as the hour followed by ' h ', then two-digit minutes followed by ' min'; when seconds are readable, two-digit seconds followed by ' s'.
5 h 51 min
